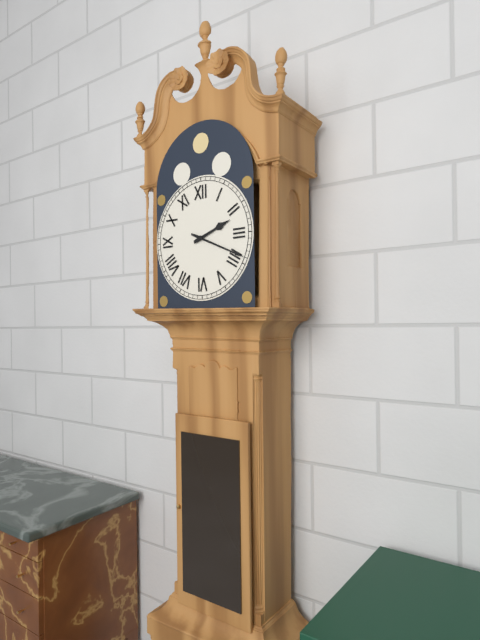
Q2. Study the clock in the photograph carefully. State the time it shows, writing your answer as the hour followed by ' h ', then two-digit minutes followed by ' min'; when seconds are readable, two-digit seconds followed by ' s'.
2 h 19 min
